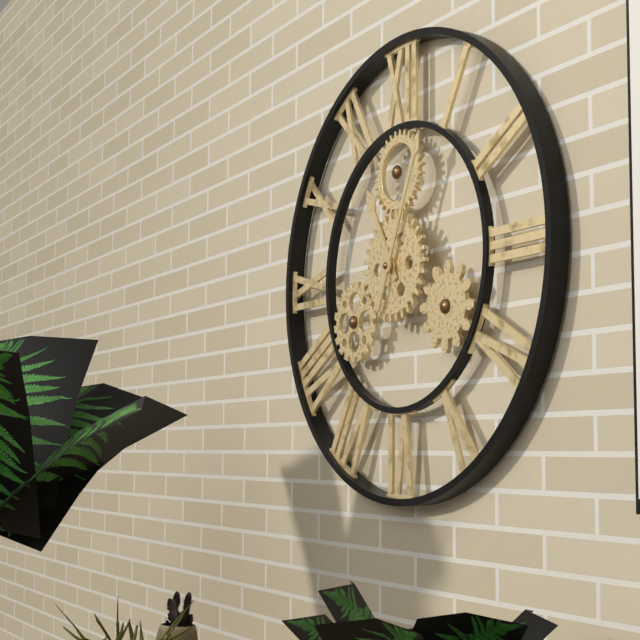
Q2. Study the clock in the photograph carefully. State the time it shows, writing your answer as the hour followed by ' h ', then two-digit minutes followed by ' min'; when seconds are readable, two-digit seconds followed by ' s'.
11 h 04 min
